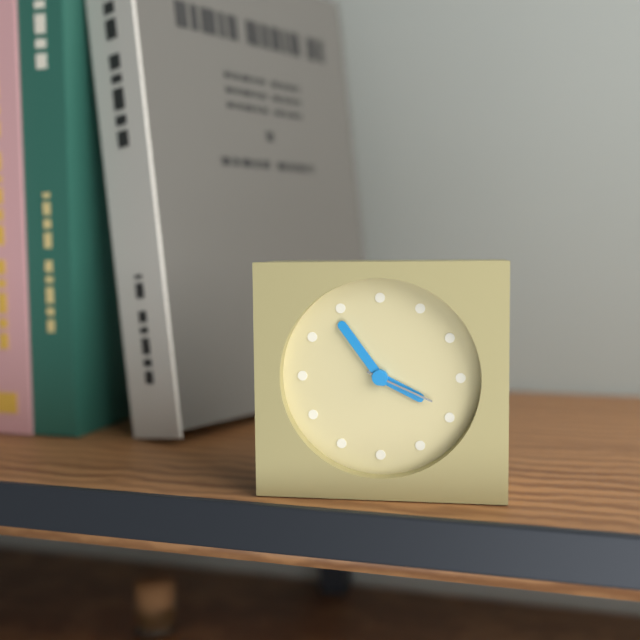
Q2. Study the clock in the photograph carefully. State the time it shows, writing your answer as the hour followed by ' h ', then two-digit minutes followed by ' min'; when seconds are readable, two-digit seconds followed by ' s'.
3 h 54 min 19 s
